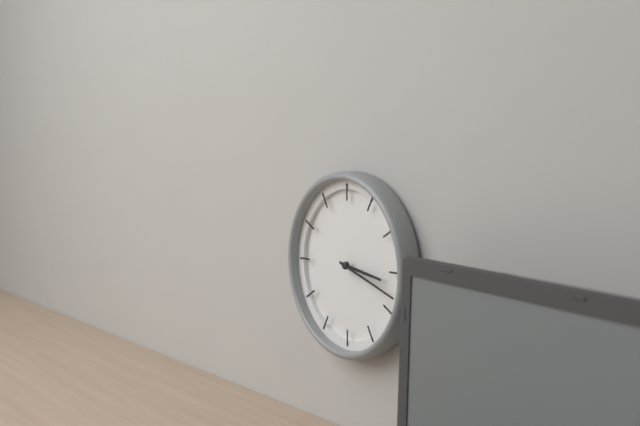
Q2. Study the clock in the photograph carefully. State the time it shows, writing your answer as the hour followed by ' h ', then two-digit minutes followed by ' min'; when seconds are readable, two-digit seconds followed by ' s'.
3 h 18 min
